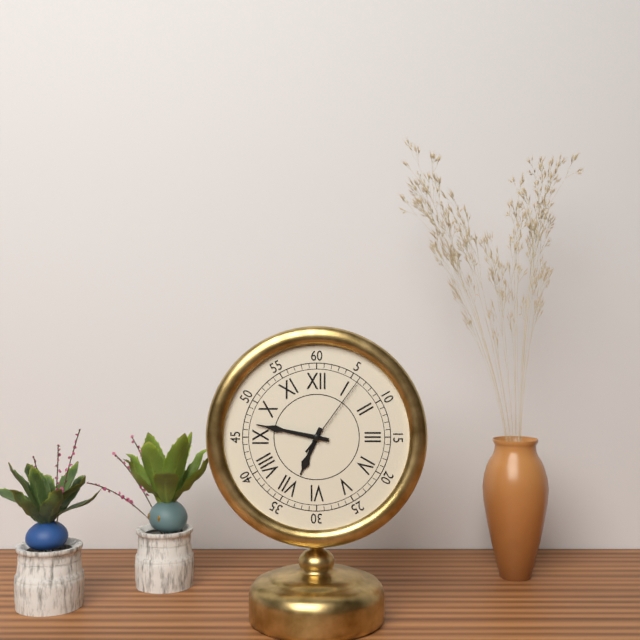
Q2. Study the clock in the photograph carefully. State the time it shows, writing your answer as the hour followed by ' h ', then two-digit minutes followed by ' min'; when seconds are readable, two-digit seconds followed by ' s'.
6 h 47 min 06 s
